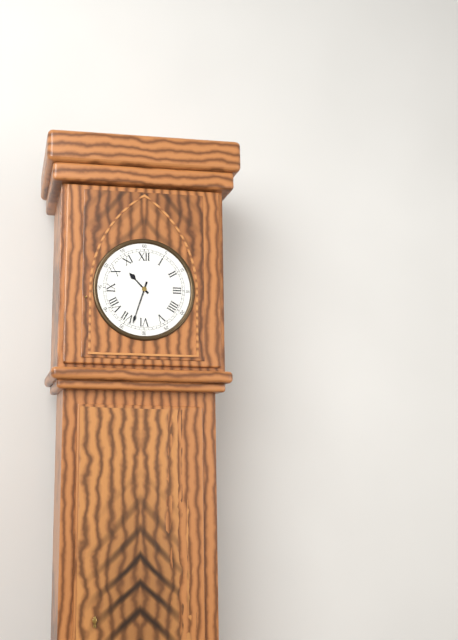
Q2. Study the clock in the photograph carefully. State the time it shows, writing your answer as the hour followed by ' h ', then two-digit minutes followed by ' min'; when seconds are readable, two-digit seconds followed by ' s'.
10 h 33 min
